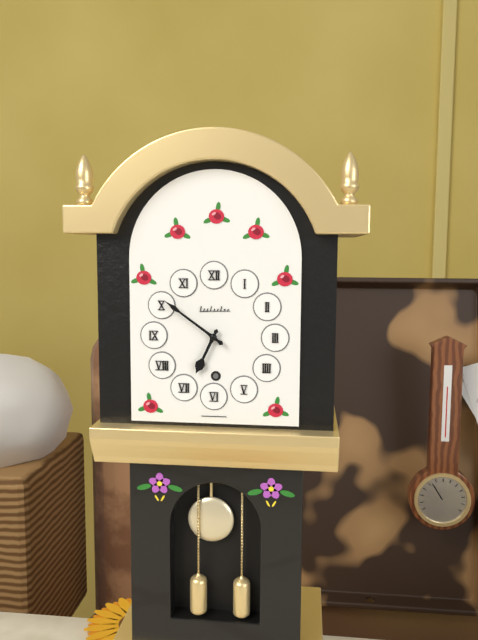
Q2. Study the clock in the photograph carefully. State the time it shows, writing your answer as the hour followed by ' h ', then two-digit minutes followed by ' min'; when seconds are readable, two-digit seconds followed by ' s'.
6 h 51 min
